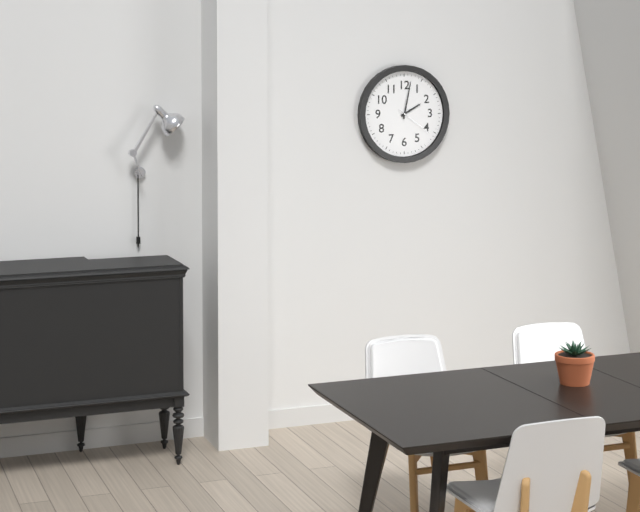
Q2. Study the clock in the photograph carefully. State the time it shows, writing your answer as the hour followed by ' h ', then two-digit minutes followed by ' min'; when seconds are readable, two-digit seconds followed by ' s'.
2 h 02 min
